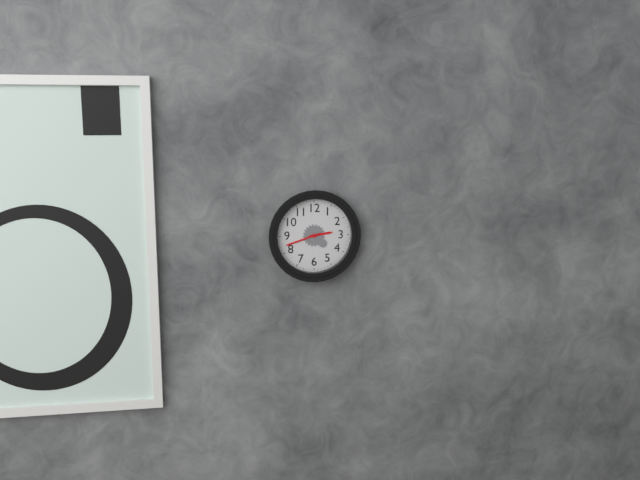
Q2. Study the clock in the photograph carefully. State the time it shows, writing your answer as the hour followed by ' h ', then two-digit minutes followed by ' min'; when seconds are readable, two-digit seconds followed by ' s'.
2 h 42 min
